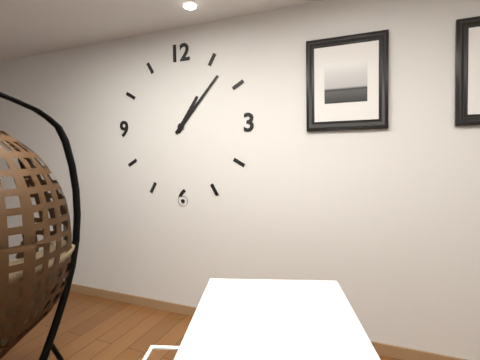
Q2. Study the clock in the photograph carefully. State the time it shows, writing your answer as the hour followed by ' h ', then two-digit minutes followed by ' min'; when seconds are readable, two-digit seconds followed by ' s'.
1 h 07 min
